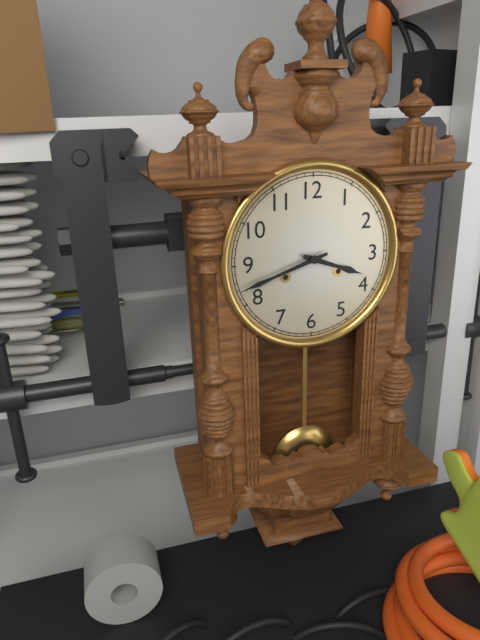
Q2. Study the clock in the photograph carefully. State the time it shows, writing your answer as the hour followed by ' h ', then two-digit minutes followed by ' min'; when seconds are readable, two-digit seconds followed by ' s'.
3 h 42 min
